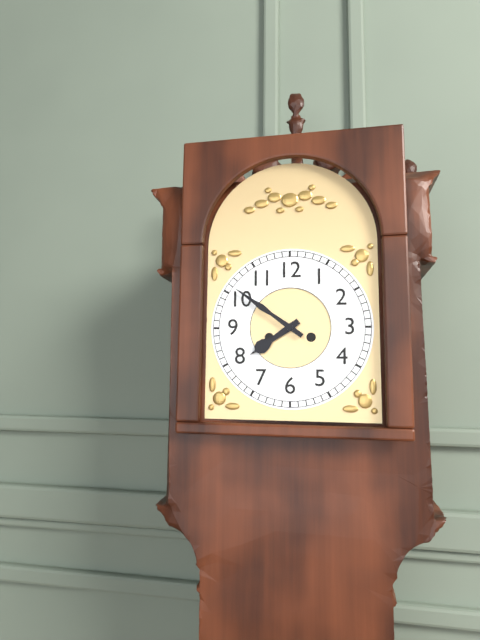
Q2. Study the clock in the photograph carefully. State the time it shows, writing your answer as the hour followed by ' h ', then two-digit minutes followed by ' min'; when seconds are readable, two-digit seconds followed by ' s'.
7 h 51 min
